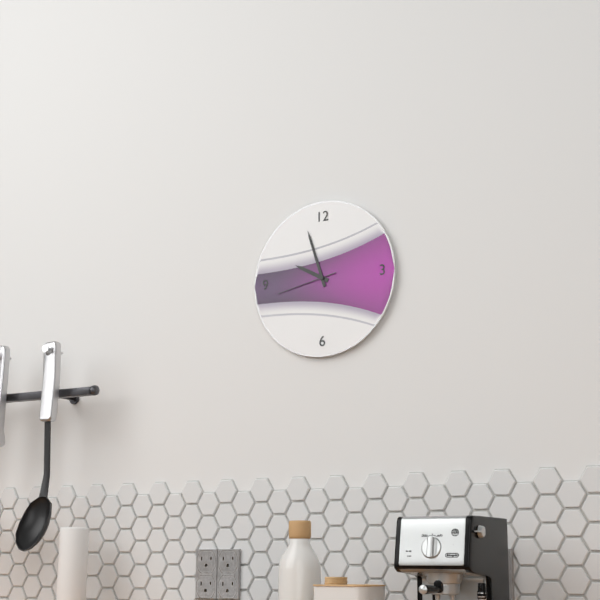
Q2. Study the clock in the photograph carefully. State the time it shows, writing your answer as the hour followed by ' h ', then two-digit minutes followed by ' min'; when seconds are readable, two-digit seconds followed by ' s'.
9 h 57 min 43 s
